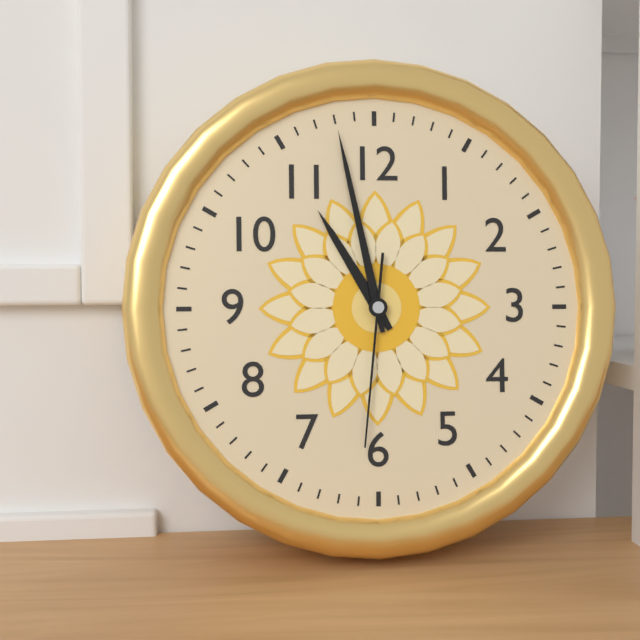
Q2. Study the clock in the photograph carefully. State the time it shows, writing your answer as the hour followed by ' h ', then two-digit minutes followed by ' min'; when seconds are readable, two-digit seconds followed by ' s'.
10 h 58 min 31 s
